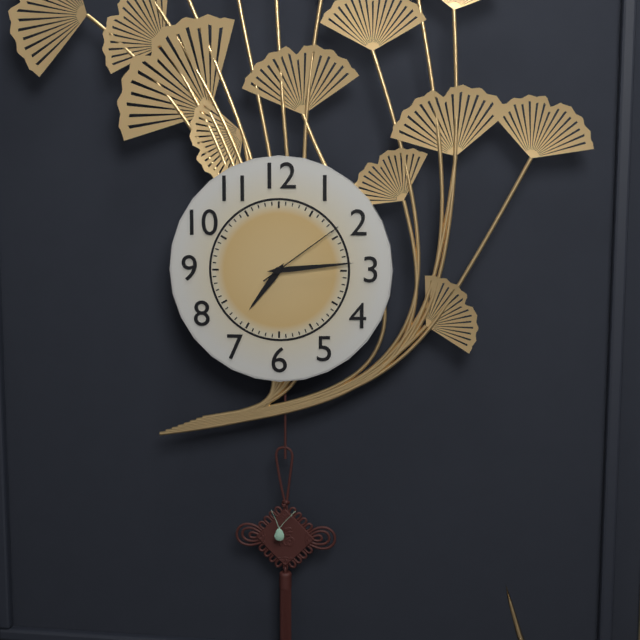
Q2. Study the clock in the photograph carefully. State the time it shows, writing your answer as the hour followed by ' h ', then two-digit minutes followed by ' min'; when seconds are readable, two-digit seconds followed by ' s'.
7 h 14 min 09 s
